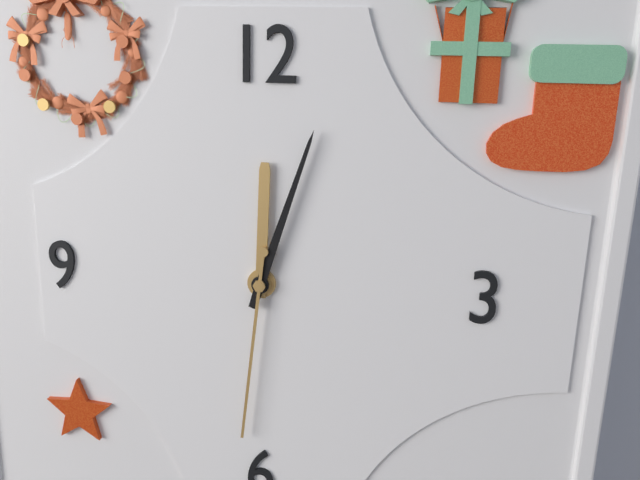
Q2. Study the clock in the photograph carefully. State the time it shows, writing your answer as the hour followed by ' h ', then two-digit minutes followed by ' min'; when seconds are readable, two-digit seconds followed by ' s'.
12 h 03 min 31 s
